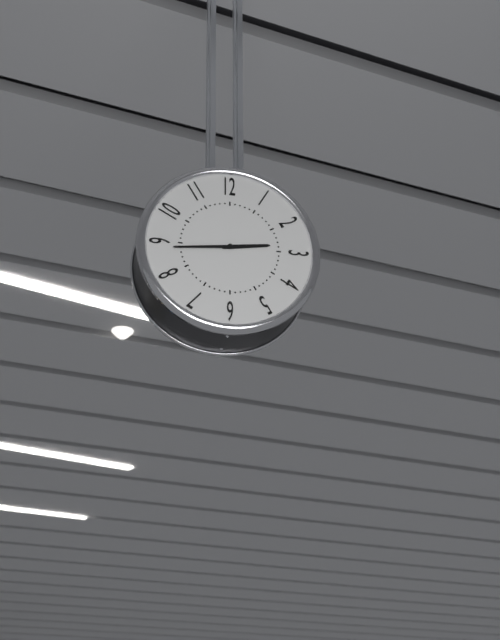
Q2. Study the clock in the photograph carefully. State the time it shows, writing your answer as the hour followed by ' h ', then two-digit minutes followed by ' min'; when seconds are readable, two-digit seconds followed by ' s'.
2 h 44 min
